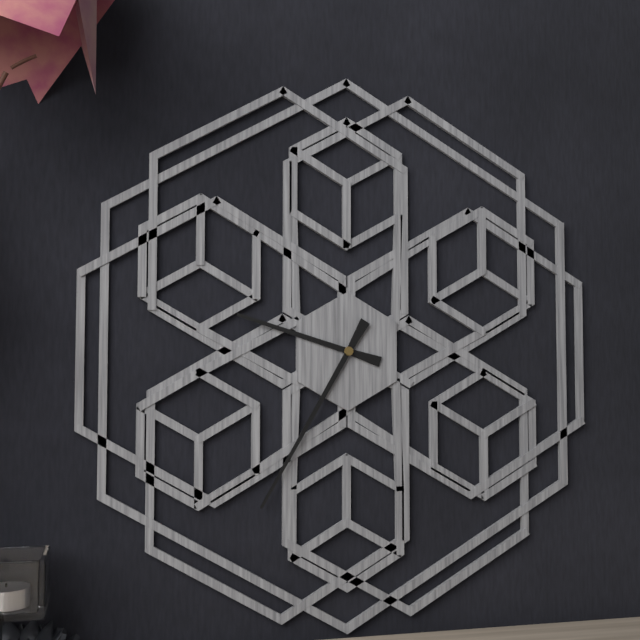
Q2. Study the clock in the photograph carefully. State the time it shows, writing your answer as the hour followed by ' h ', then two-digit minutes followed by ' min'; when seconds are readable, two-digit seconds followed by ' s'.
9 h 35 min
